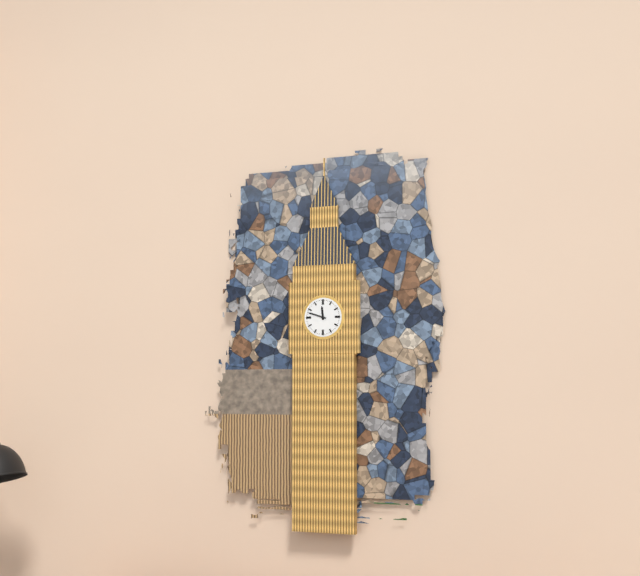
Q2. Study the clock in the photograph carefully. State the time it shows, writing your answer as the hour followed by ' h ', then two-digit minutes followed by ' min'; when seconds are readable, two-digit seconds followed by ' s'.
11 h 48 min
